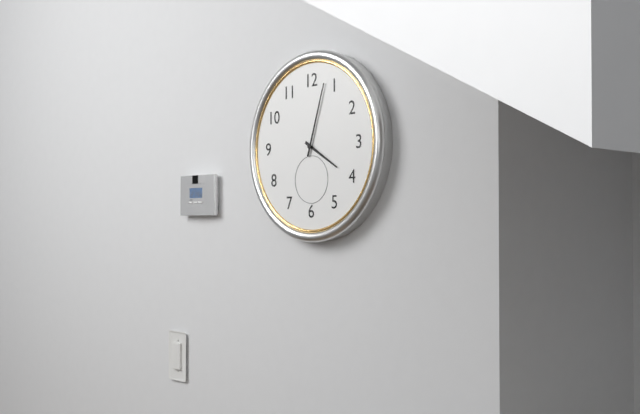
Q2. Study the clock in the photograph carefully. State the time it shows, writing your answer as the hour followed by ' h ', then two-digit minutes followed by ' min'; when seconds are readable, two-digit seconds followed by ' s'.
4 h 03 min
